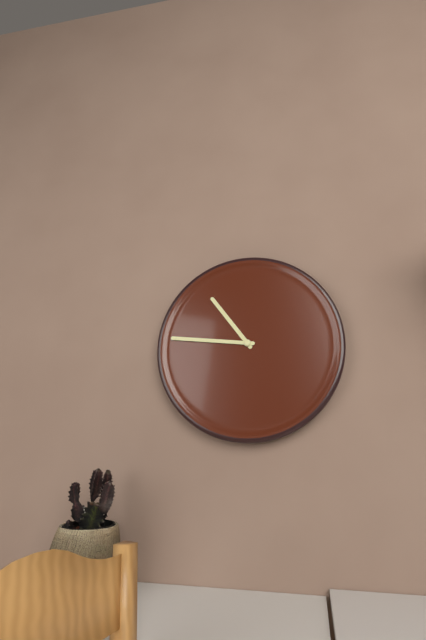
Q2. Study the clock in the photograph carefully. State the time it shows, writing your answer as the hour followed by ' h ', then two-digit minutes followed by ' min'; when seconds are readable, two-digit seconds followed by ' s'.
10 h 46 min
